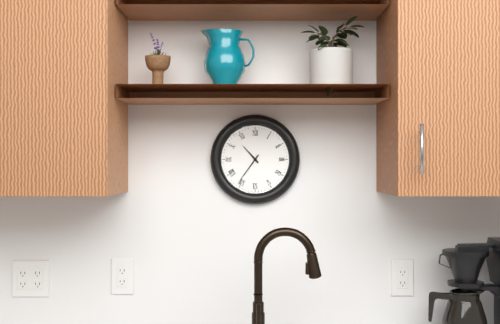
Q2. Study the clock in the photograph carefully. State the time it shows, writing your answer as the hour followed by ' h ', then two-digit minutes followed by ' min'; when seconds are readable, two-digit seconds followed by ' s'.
10 h 36 min
